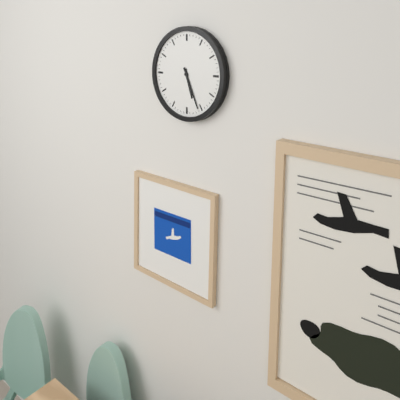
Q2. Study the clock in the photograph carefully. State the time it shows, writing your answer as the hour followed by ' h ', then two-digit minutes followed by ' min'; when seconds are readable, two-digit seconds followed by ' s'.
5 h 26 min
